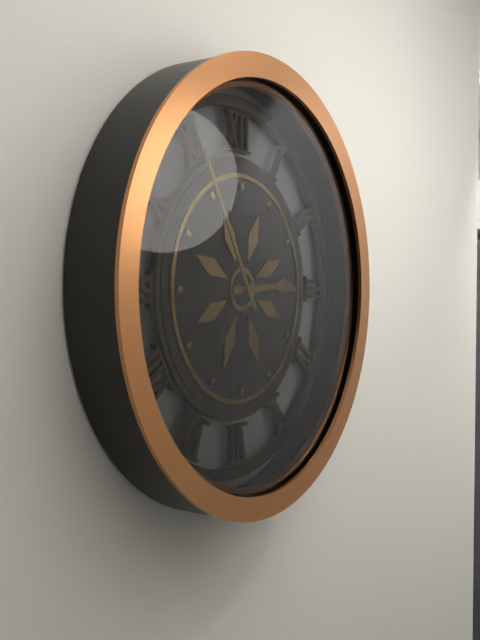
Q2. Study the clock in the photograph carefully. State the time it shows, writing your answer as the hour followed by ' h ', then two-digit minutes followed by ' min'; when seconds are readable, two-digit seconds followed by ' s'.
2 h 55 min
